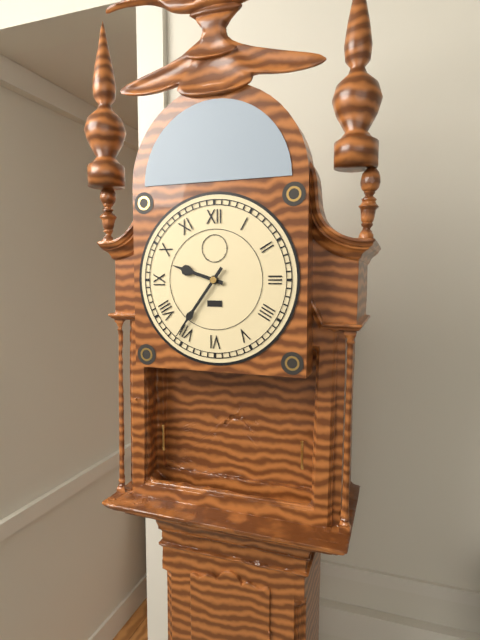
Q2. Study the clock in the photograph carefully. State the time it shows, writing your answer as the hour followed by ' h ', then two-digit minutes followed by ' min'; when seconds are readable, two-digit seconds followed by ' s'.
9 h 36 min
